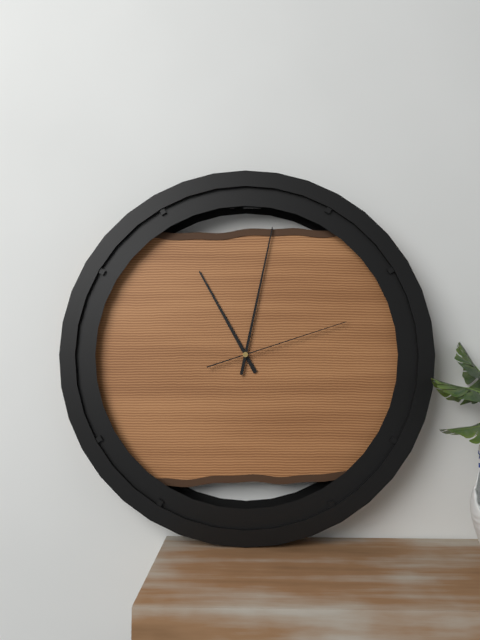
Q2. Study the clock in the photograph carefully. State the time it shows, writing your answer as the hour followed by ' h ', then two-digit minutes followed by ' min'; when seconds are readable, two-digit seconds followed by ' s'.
11 h 02 min 12 s
